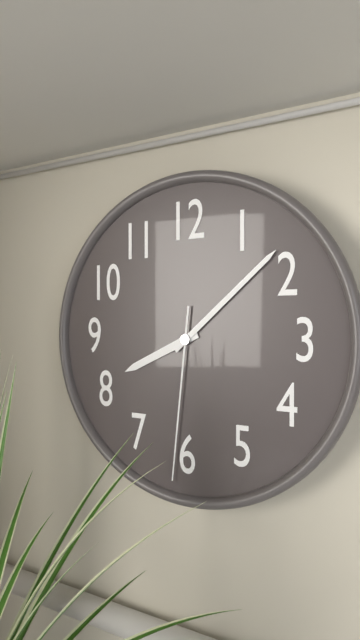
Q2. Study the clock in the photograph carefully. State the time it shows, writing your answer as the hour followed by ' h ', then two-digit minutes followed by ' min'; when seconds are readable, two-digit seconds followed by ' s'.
8 h 08 min 31 s
